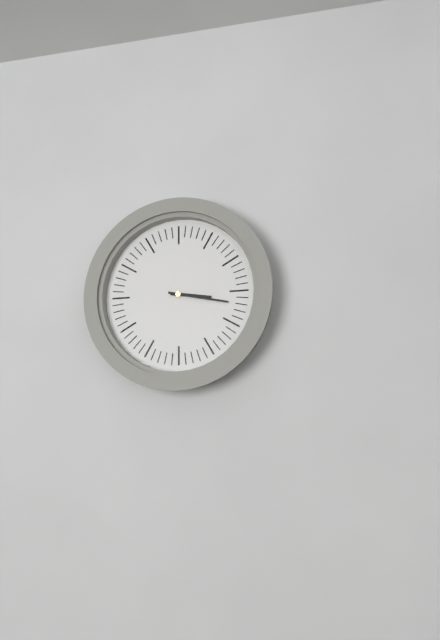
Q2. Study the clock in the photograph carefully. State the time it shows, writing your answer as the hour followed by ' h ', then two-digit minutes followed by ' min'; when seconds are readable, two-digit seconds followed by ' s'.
3 h 17 min
